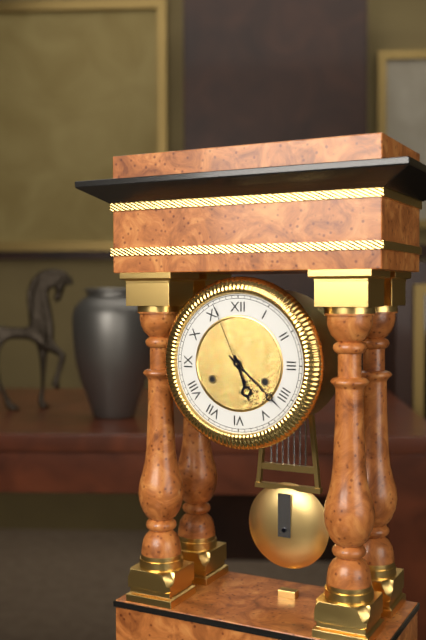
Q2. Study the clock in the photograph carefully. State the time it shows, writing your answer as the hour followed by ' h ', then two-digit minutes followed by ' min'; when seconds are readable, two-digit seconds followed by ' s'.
5 h 22 min 56 s
